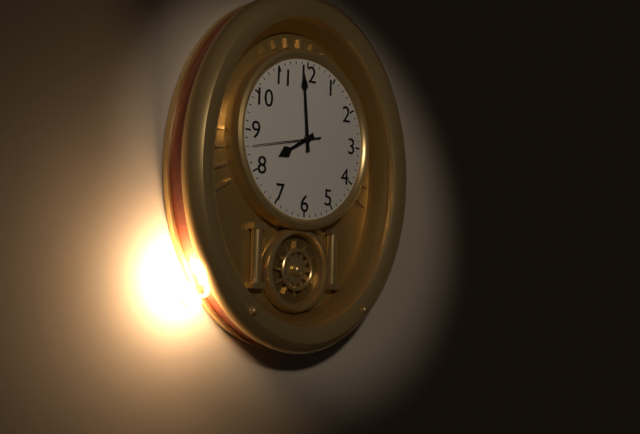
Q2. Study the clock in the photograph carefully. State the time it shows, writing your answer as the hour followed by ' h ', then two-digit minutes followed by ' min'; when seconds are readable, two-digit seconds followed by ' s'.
7 h 59 min 43 s
